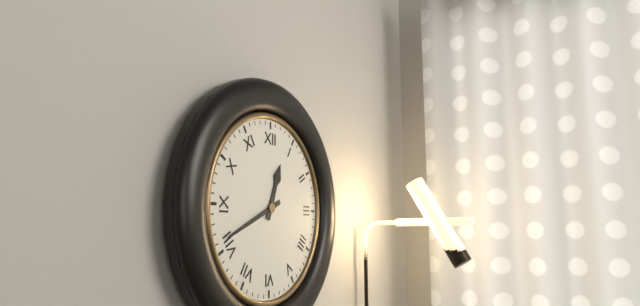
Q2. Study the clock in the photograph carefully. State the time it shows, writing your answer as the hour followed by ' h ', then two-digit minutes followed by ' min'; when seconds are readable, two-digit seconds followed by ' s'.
12 h 41 min
